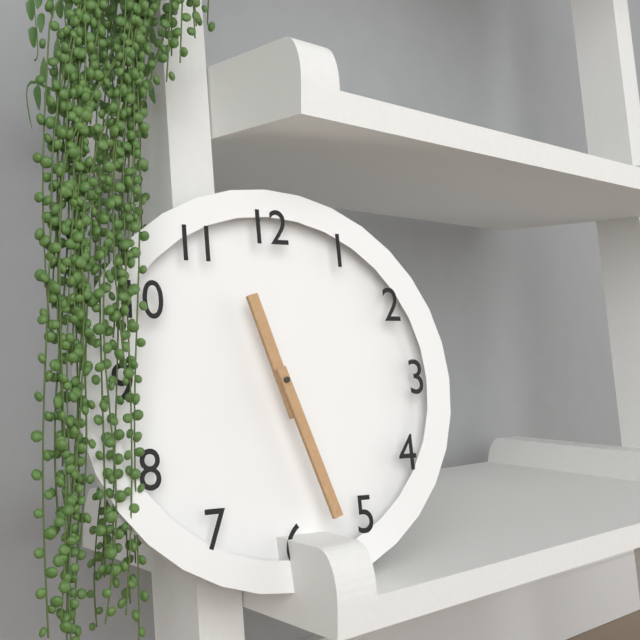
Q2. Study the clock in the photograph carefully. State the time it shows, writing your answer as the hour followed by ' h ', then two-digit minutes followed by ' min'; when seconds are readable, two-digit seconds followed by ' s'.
11 h 27 min
